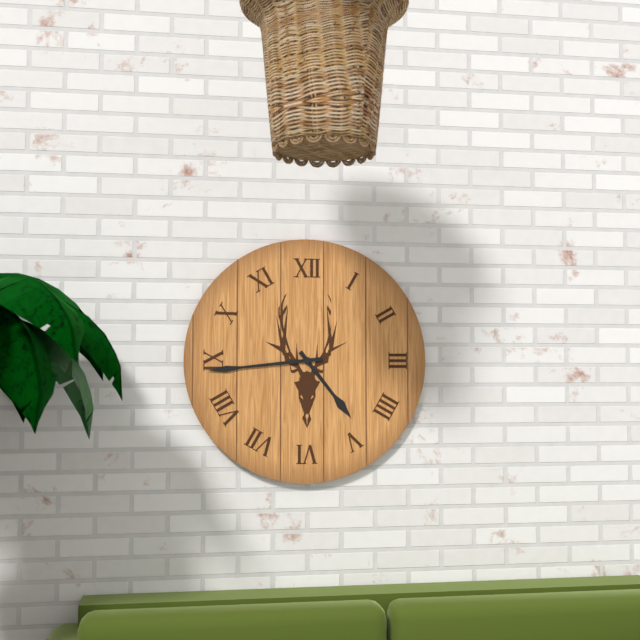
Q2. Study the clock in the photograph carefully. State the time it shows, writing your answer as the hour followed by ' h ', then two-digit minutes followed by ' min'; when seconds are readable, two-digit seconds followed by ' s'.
4 h 44 min
